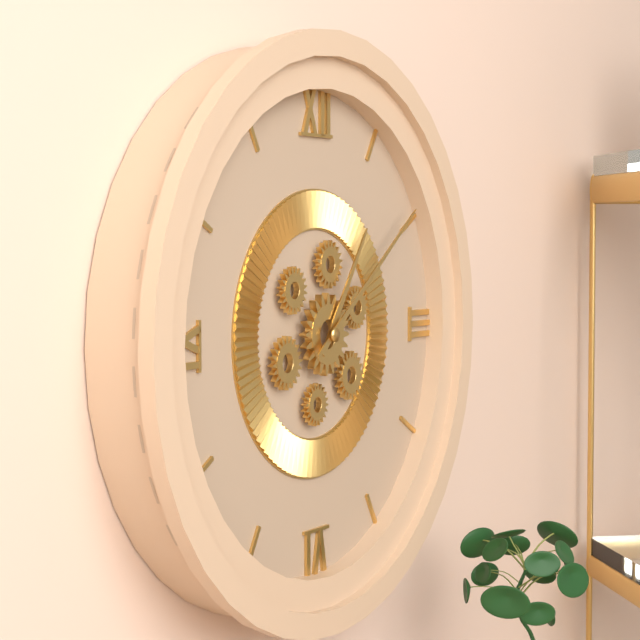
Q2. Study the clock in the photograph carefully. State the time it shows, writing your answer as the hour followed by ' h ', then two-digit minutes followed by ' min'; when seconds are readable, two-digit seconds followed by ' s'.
1 h 09 min
